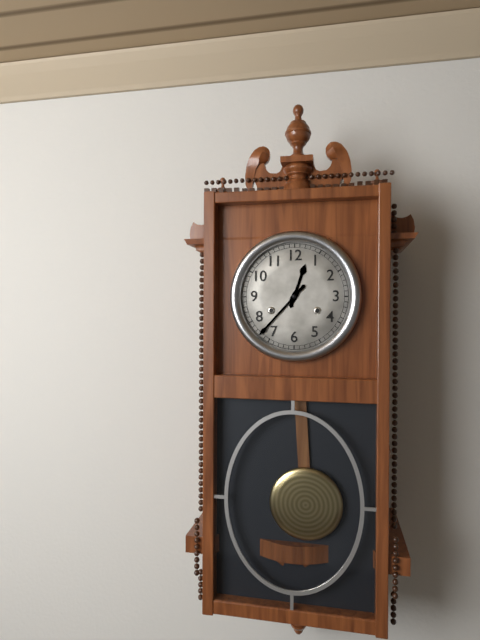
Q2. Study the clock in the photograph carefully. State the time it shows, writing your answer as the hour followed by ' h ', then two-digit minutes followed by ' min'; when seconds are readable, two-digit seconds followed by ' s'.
12 h 37 min
